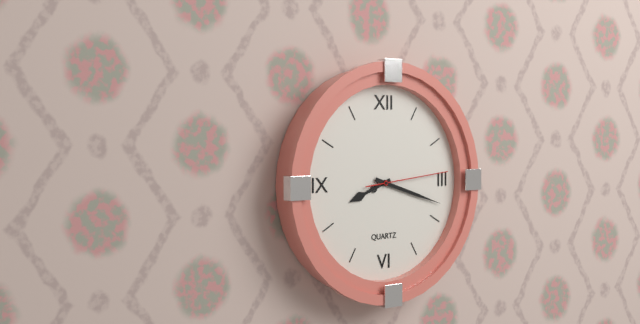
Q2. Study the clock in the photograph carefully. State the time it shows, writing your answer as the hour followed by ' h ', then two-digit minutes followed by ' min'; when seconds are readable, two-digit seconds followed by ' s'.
8 h 18 min 14 s
